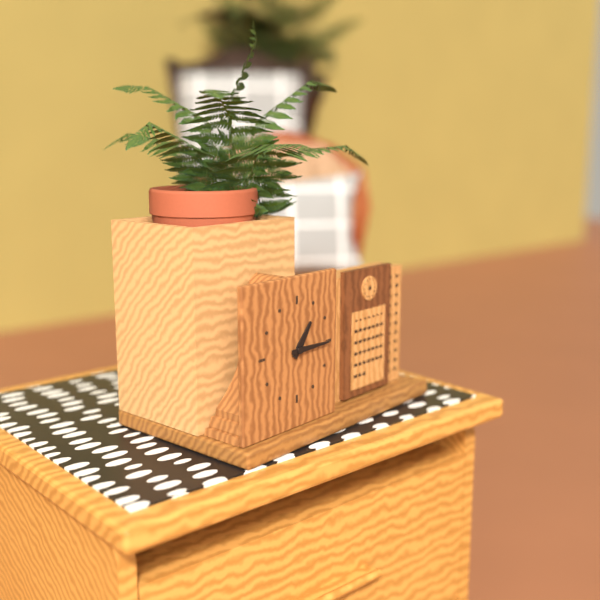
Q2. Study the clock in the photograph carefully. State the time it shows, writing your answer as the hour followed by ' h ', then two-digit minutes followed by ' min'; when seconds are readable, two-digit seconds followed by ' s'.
1 h 15 min
